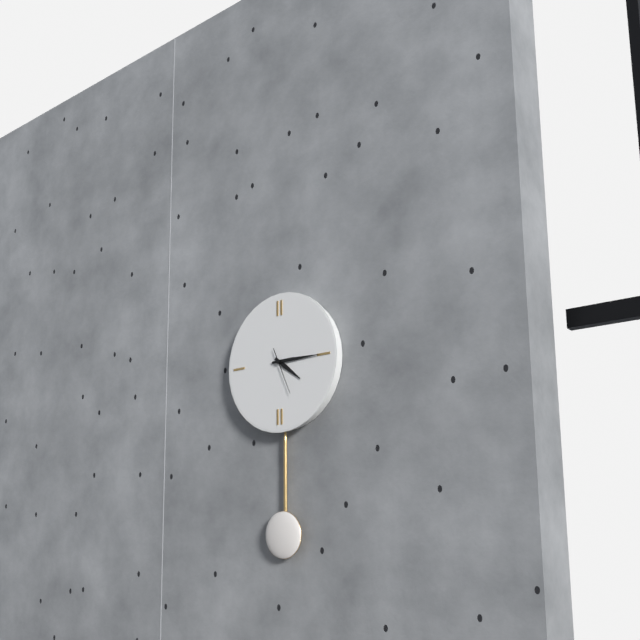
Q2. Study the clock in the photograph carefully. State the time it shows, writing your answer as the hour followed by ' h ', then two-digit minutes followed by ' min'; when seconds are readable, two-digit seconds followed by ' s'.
4 h 15 min
